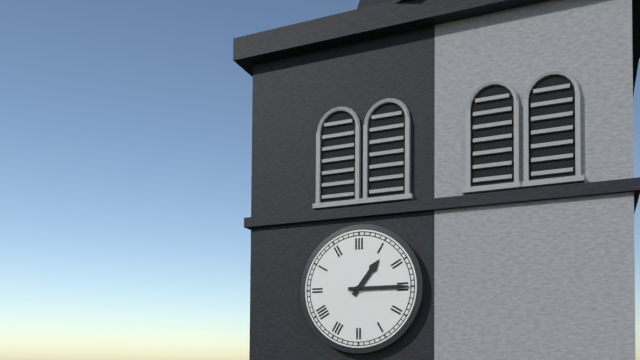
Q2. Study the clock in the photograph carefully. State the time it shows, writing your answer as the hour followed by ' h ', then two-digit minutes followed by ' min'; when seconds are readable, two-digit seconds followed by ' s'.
1 h 15 min
